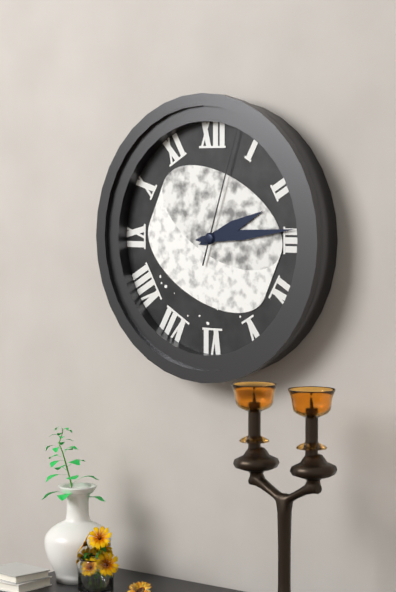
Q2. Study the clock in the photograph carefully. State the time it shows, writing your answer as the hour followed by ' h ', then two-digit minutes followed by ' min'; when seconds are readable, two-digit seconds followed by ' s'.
2 h 14 min 03 s
